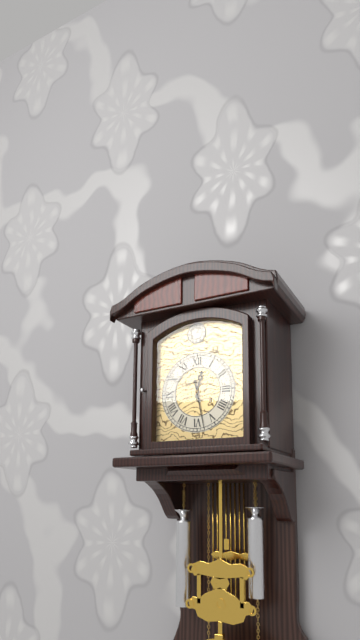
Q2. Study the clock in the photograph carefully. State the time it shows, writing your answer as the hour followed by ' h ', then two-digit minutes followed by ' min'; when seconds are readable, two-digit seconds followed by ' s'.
12 h 28 min
